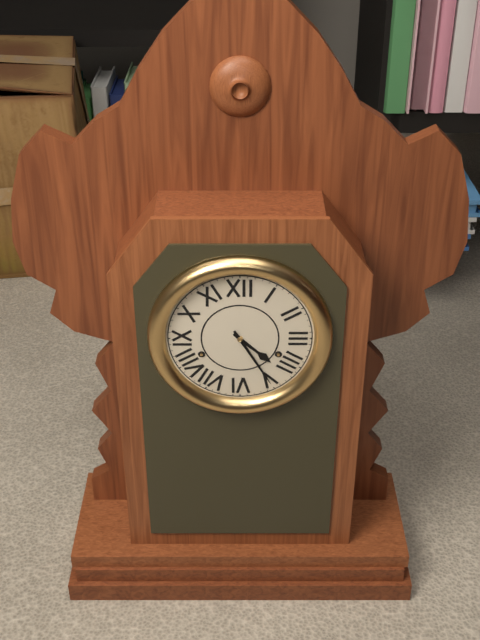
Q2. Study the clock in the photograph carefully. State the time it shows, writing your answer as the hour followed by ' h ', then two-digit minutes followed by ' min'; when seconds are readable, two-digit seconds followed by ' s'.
4 h 25 min
